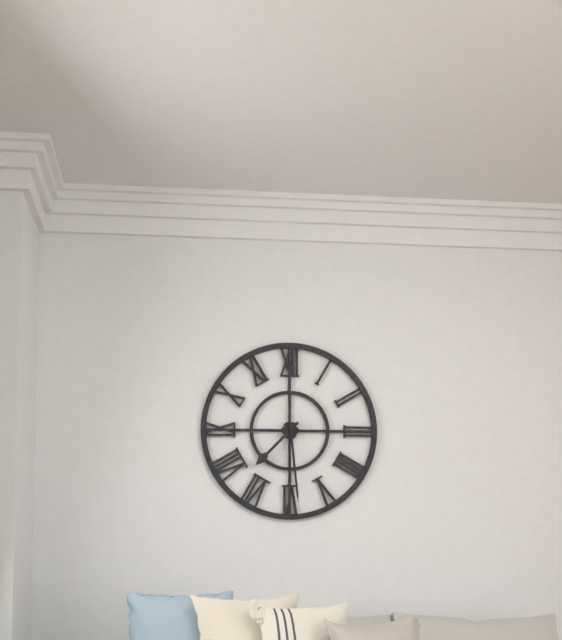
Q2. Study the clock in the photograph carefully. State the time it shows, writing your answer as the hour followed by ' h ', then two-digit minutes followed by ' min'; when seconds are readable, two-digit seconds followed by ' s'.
7 h 29 min
